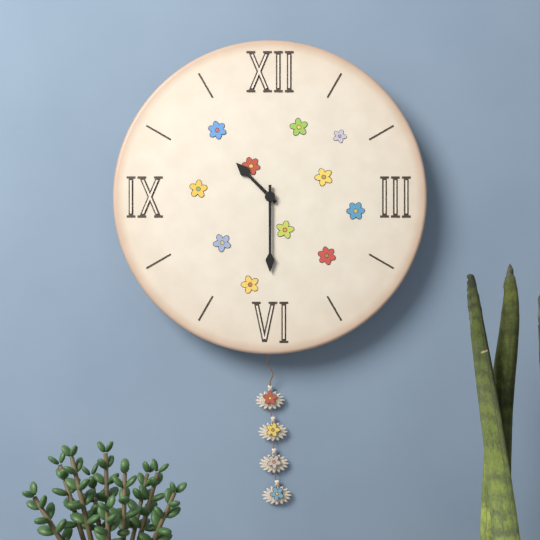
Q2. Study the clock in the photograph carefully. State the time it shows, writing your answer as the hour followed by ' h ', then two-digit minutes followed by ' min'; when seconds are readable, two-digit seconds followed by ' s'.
10 h 30 min
